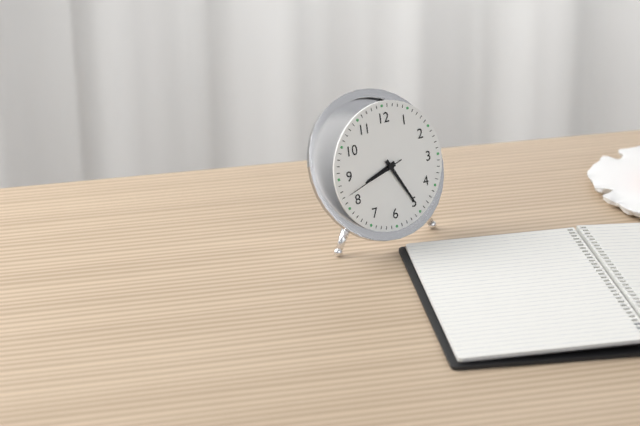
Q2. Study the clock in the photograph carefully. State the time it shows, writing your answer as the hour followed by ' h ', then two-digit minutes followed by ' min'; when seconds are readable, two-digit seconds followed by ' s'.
8 h 25 min 42 s
